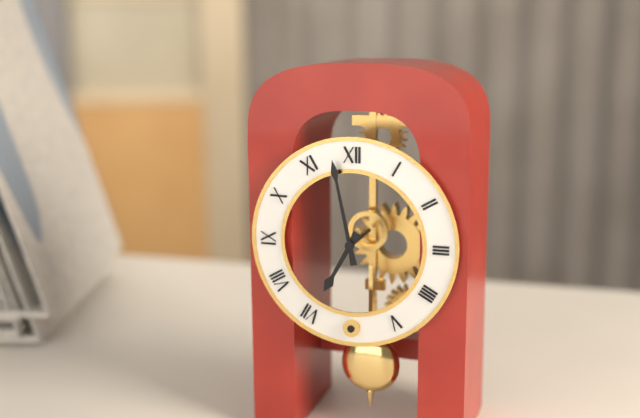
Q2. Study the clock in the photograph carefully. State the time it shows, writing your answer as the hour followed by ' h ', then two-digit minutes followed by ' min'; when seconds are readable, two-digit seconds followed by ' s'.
6 h 58 min
